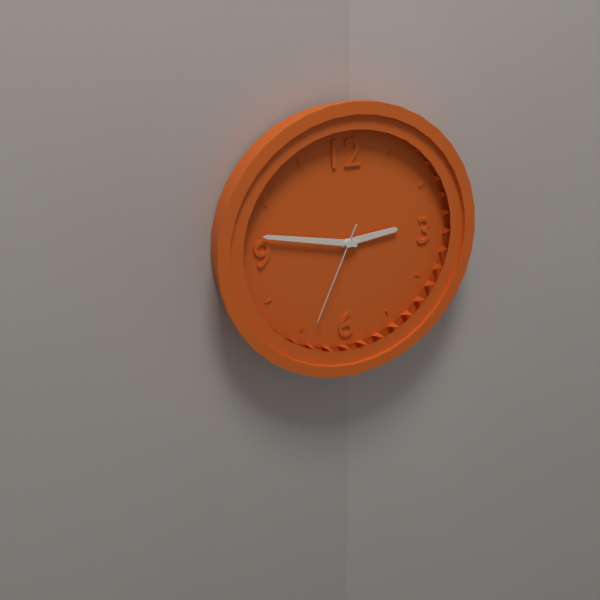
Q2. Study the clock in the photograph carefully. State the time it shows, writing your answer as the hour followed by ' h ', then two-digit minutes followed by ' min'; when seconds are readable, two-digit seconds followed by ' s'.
2 h 47 min 34 s
